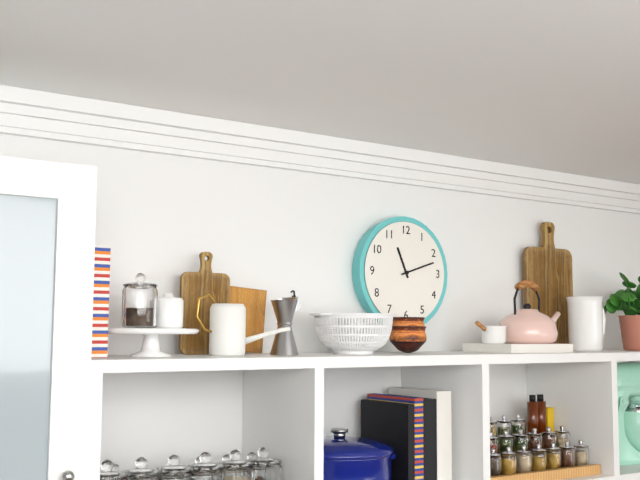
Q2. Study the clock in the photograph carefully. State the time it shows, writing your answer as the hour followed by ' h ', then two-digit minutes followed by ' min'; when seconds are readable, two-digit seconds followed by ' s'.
11 h 12 min
